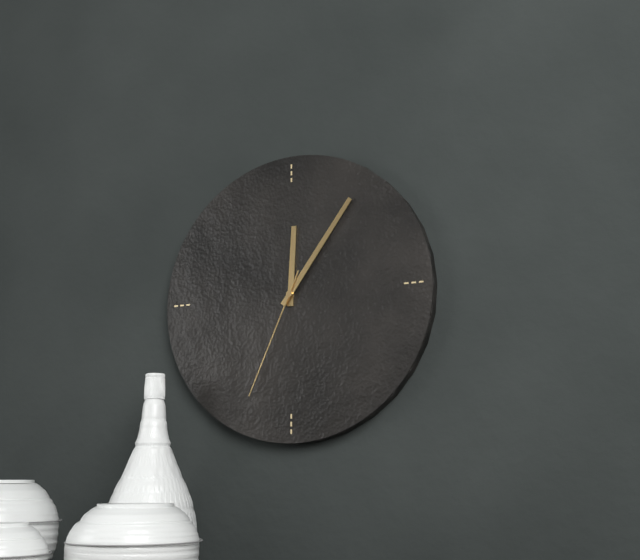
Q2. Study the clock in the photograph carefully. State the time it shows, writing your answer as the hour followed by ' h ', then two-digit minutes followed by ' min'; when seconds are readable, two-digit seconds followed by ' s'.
12 h 06 min 34 s
